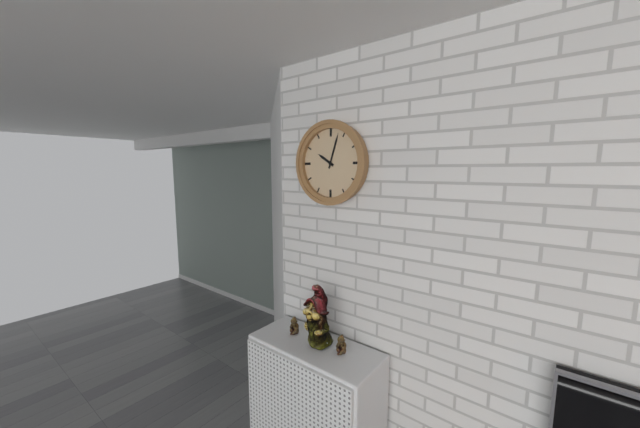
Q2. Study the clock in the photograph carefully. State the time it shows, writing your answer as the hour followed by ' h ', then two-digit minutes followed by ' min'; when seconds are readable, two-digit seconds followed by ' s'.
10 h 03 min
